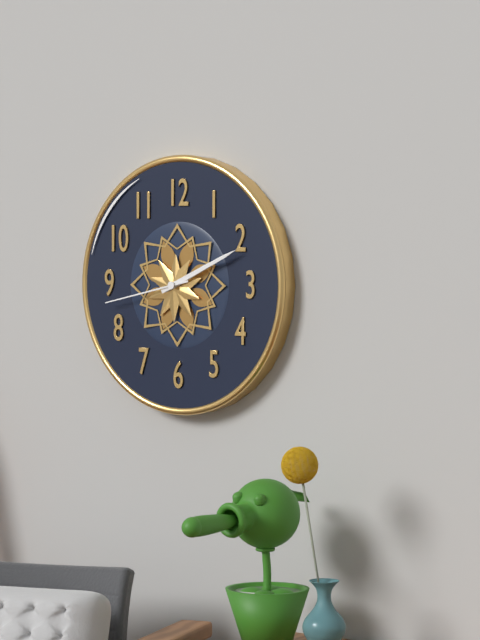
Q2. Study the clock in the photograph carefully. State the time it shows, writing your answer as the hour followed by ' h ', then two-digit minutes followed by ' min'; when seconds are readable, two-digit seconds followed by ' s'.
2 h 11 min 43 s
